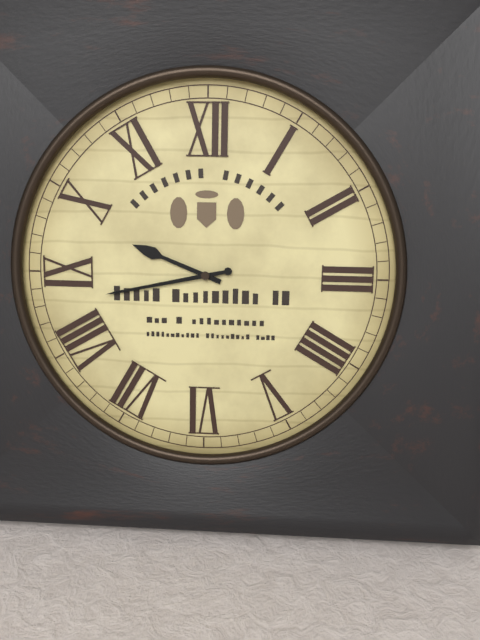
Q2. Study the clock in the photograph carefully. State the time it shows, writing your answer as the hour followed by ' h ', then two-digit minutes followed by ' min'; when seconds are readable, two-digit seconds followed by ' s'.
9 h 43 min
